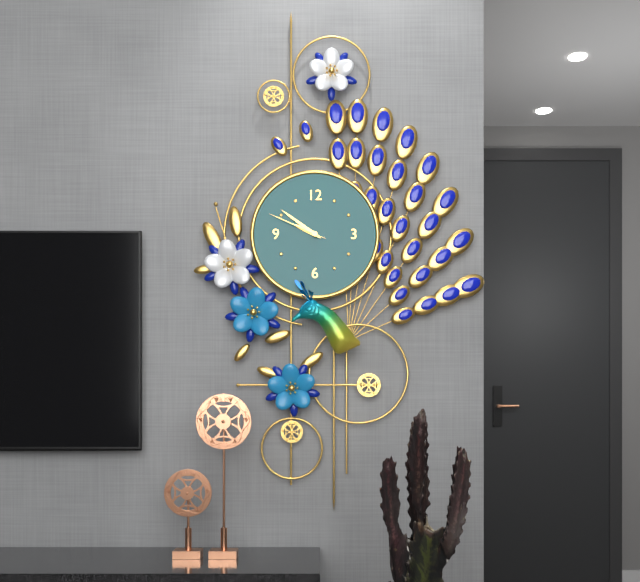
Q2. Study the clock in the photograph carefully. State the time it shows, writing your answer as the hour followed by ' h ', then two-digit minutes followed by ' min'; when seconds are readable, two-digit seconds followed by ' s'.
9 h 51 min 49 s
